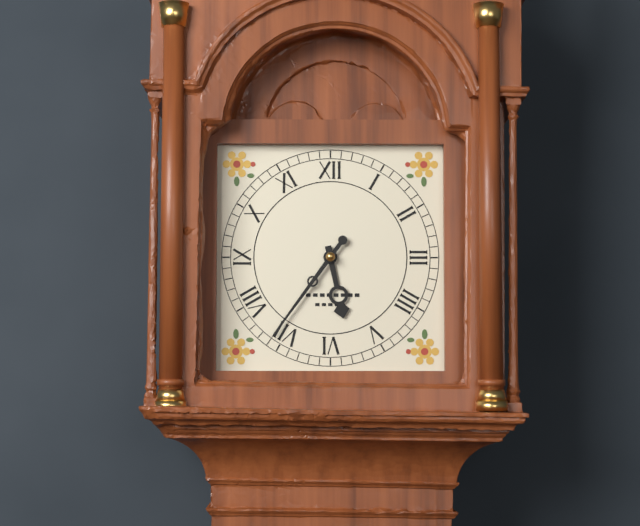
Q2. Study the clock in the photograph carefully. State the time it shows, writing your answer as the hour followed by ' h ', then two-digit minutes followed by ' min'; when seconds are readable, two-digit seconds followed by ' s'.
5 h 36 min
